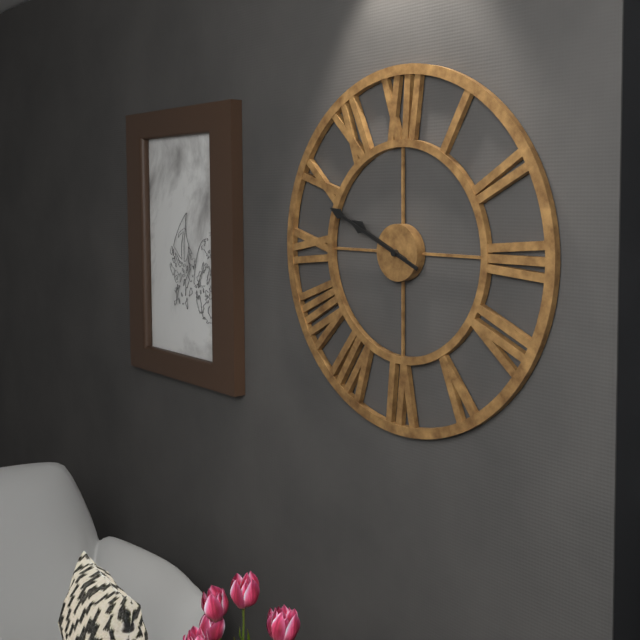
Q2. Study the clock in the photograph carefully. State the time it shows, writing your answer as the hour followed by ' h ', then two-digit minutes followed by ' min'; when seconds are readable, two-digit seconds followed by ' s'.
9 h 49 min
